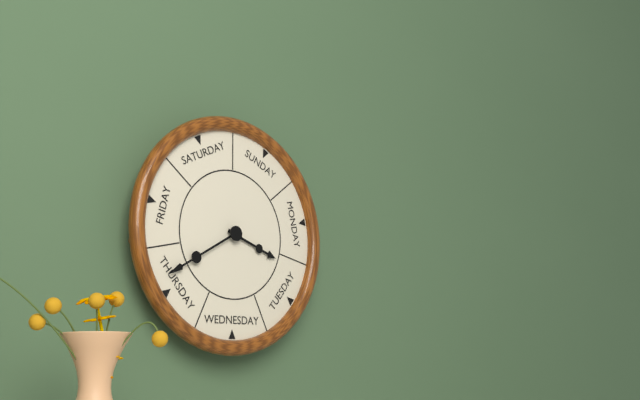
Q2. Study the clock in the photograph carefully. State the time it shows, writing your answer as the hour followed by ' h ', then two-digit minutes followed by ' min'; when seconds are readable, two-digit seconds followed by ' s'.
3 h 40 min
